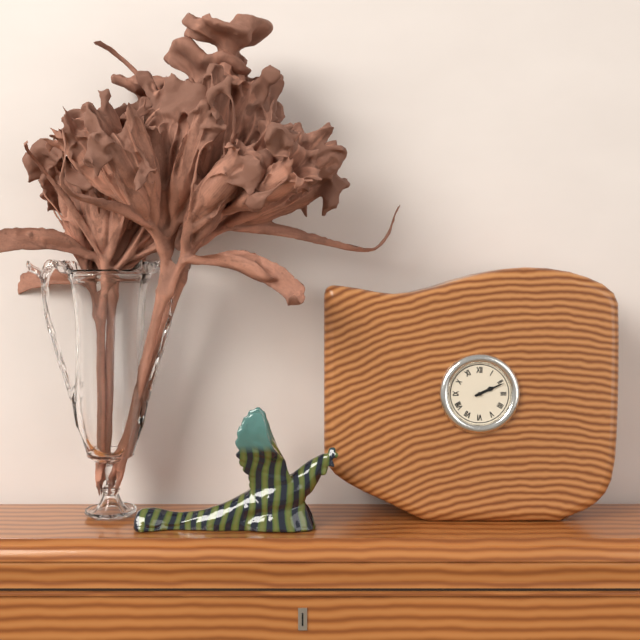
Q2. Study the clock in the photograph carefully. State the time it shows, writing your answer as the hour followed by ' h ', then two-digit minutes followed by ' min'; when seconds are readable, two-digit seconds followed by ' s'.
2 h 11 min
